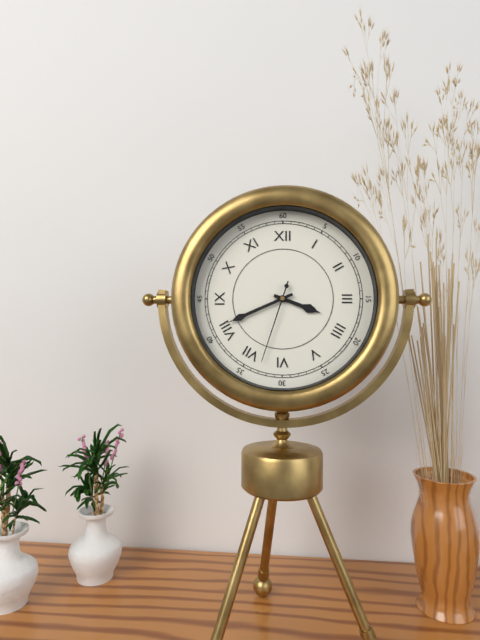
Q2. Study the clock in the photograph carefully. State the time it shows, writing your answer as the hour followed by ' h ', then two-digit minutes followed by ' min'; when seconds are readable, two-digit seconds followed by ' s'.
3 h 41 min 33 s
